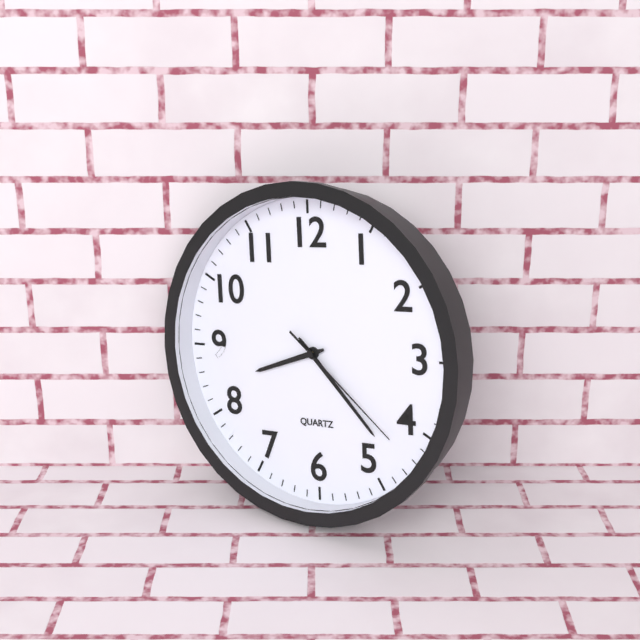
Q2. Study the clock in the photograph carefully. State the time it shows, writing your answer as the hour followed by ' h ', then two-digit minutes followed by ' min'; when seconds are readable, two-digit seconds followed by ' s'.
8 h 23 min 22 s
